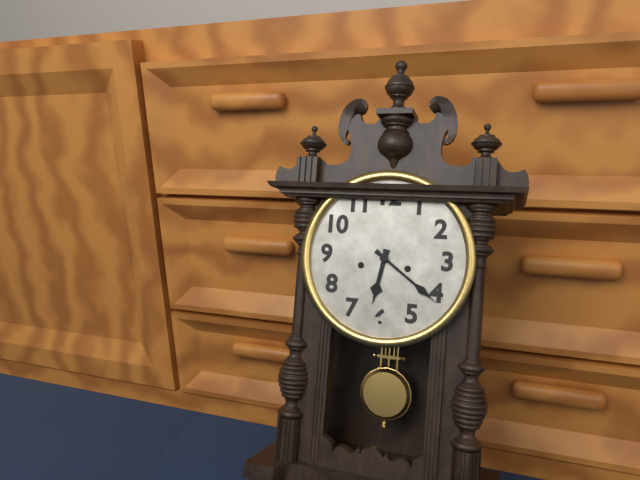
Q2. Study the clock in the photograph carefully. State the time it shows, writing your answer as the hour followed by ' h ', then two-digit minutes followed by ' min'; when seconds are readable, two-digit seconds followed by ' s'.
6 h 21 min
